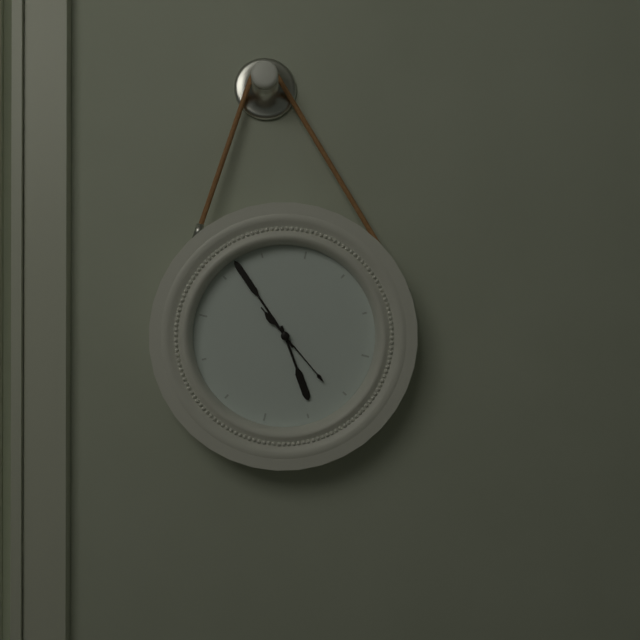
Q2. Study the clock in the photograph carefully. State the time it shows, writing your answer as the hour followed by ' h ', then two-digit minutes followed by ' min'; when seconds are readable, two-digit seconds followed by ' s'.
4 h 52 min 21 s
